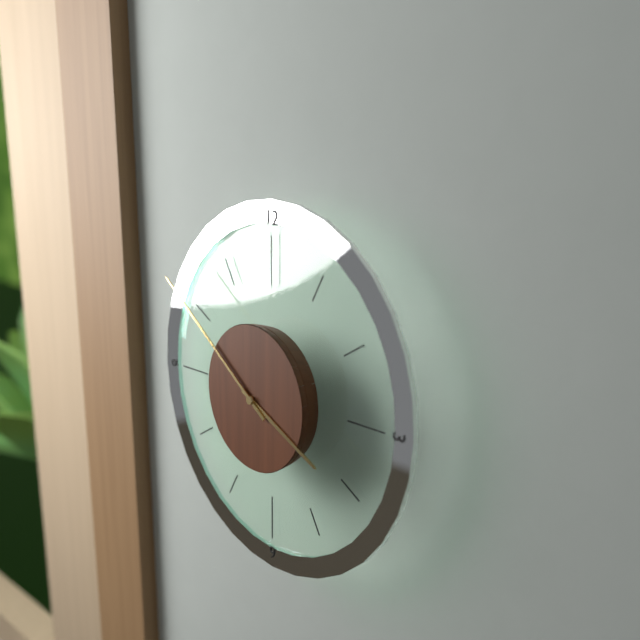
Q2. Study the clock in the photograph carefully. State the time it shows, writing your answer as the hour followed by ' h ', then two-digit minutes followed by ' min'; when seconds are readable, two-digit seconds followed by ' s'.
3 h 51 min
